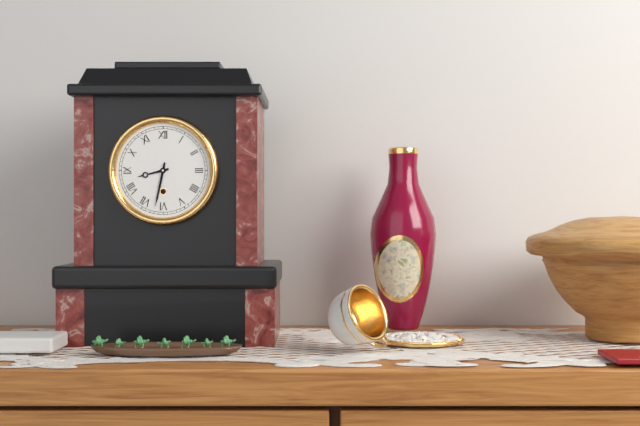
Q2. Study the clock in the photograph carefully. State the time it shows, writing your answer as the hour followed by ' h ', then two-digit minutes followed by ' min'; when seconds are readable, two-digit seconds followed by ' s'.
8 h 32 min
